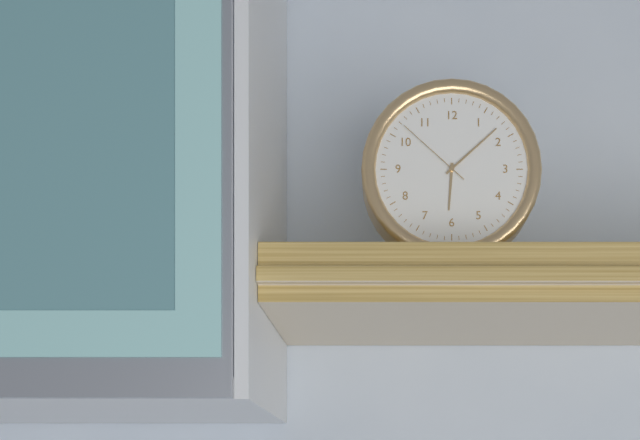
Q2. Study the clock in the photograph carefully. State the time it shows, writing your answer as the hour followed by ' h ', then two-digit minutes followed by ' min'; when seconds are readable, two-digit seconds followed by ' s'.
6 h 08 min 52 s
